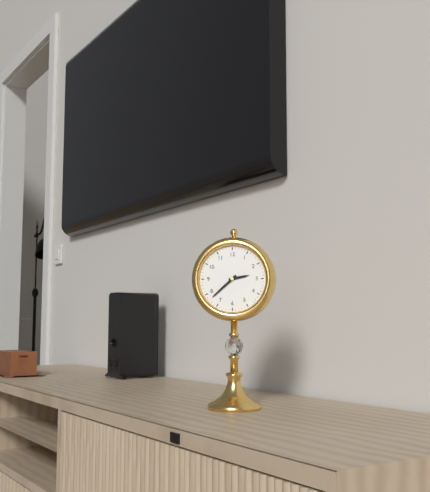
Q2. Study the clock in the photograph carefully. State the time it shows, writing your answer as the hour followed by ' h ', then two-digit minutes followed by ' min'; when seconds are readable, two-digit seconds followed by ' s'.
2 h 38 min
